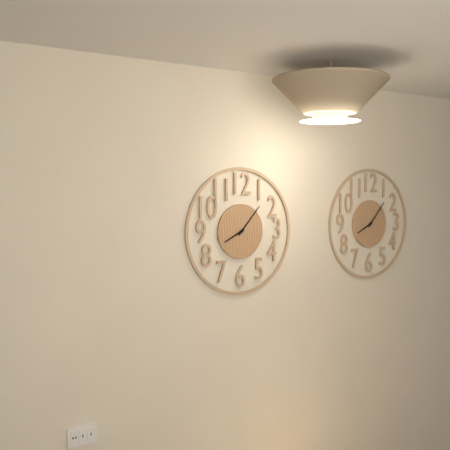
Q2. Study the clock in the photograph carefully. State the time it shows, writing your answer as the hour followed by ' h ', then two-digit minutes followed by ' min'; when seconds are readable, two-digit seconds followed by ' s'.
8 h 07 min
